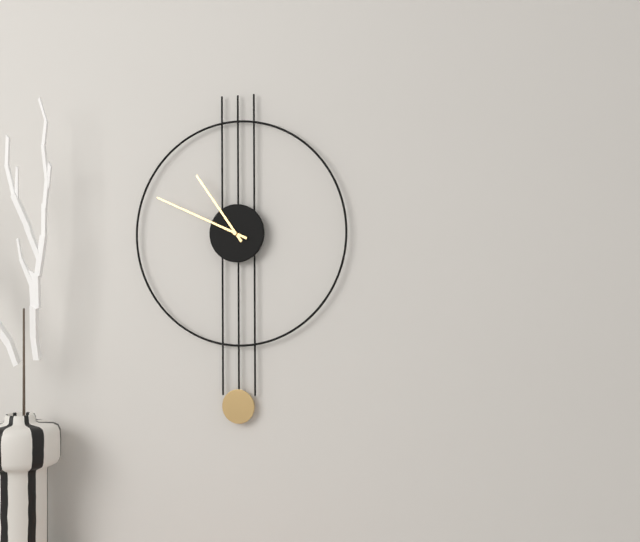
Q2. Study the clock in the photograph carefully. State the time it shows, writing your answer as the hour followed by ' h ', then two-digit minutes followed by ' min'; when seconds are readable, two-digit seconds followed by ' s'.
10 h 49 min
